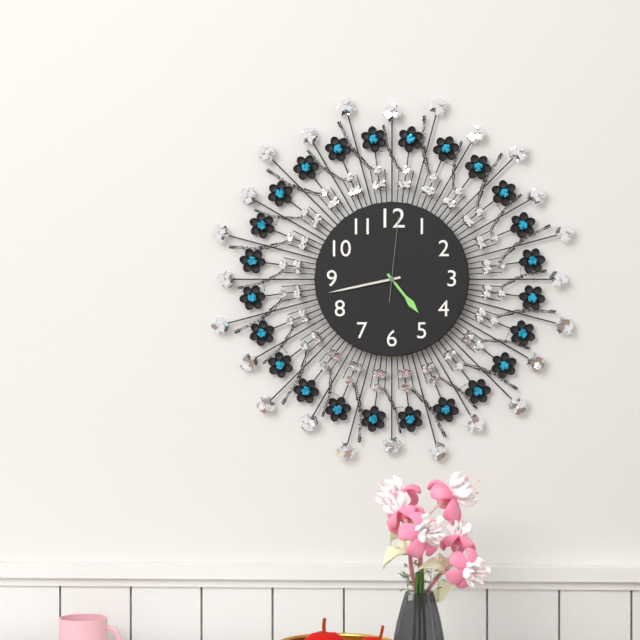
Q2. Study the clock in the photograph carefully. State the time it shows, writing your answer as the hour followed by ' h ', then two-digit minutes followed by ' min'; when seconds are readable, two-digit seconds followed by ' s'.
4 h 43 min 01 s
